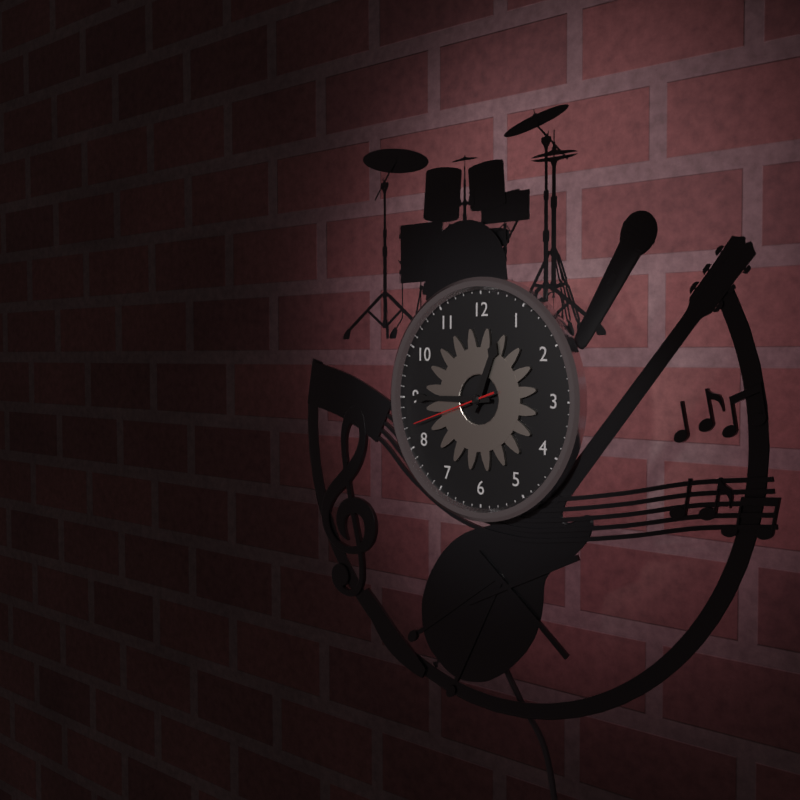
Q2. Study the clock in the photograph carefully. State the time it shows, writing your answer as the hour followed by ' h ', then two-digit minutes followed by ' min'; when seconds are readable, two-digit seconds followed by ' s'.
12 h 45 min 42 s
